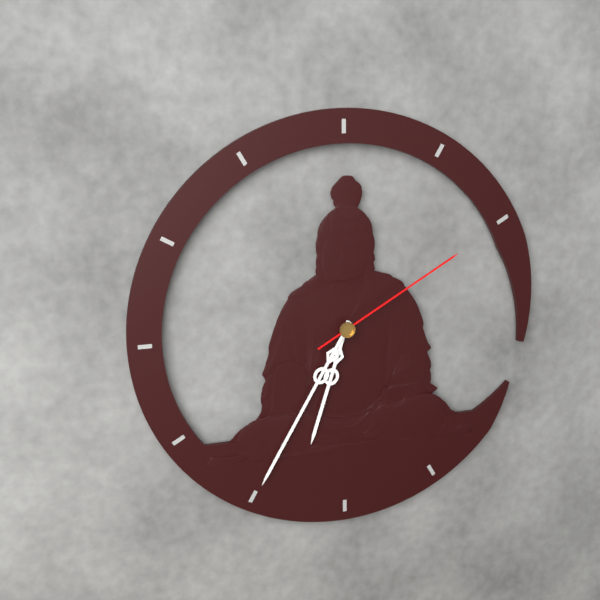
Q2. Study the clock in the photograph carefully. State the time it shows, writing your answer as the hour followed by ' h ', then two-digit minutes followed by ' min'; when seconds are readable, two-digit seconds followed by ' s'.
6 h 35 min 10 s
